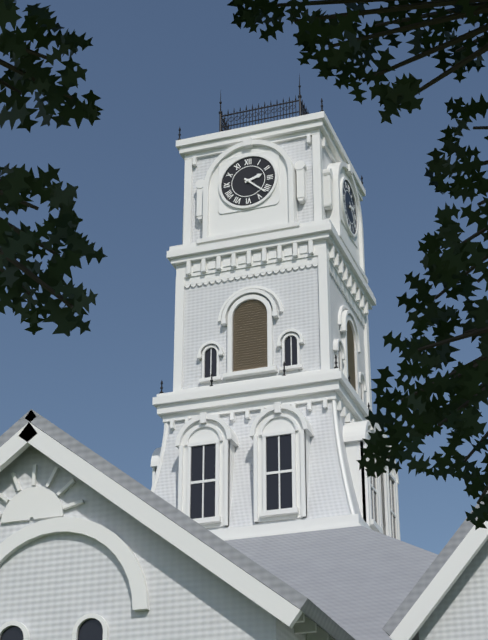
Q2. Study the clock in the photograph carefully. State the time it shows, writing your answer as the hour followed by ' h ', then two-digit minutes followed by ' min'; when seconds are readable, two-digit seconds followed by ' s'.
2 h 22 min
